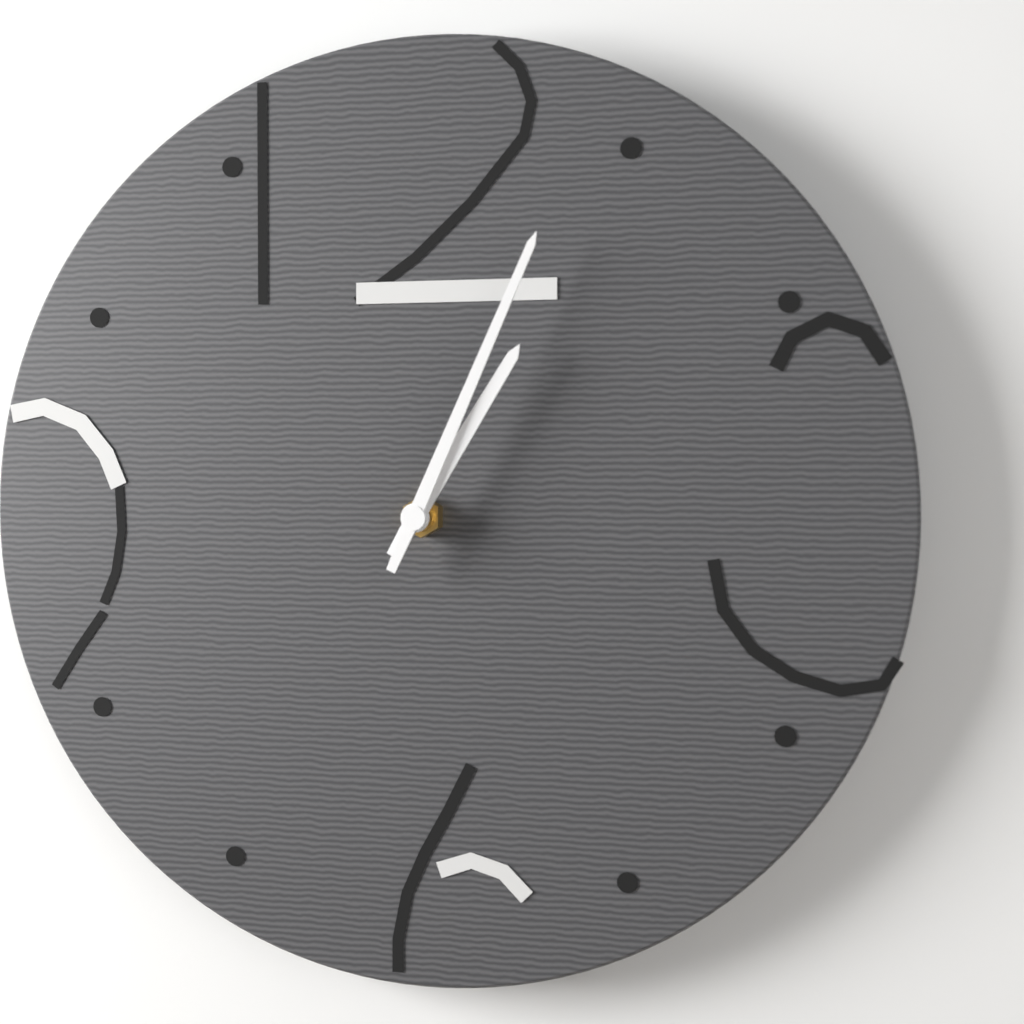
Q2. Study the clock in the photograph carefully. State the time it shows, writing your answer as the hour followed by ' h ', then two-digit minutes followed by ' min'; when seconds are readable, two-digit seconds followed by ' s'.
1 h 04 min
